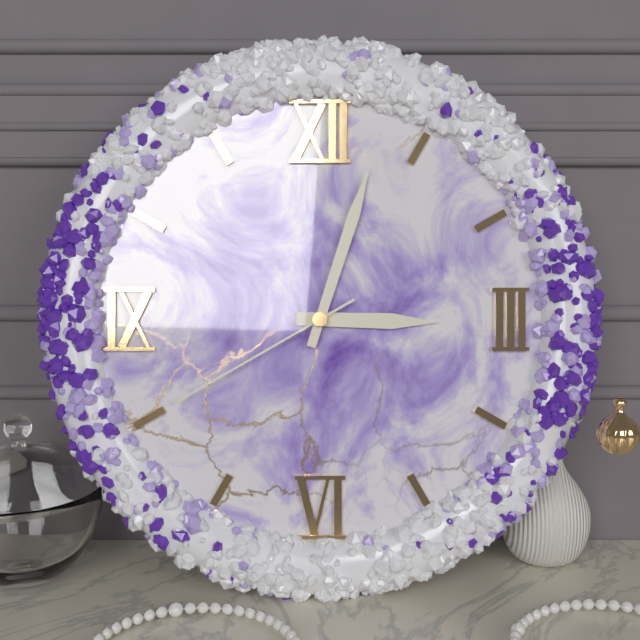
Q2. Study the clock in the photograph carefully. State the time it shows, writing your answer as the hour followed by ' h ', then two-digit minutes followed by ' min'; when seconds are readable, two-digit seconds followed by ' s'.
3 h 03 min 40 s
